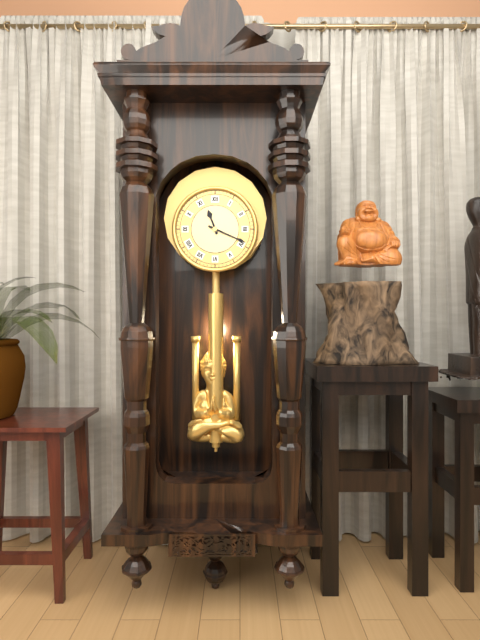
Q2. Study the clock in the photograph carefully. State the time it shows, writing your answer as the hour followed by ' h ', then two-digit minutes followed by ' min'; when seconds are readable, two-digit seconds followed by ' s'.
11 h 19 min
